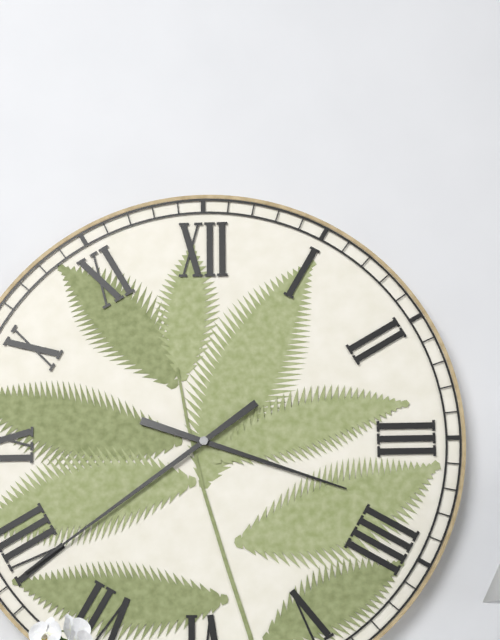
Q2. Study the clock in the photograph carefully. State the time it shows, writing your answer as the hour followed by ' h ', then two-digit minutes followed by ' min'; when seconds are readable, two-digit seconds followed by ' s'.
3 h 39 min
